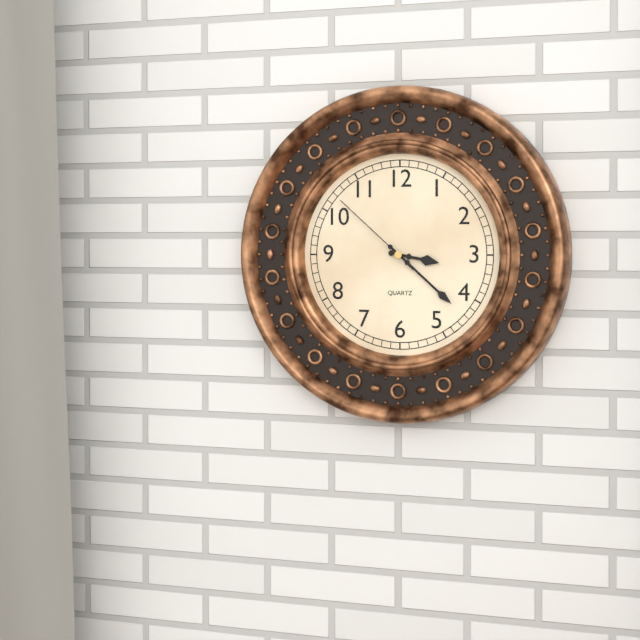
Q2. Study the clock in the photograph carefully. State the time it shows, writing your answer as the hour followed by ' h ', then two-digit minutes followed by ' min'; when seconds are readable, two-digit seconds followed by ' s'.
3 h 22 min 52 s
